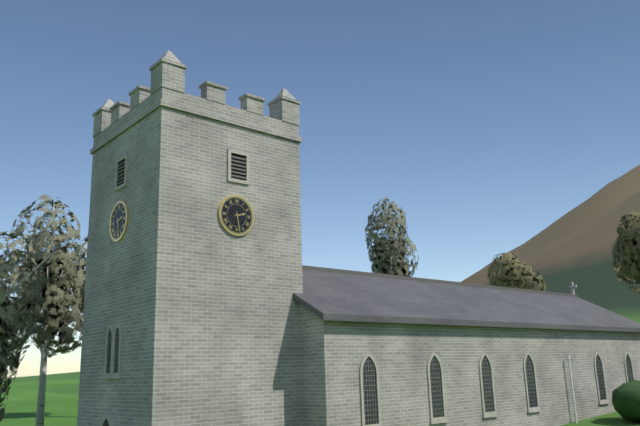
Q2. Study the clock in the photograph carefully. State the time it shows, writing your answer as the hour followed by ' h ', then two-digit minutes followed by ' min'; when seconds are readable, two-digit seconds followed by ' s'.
2 h 28 min
